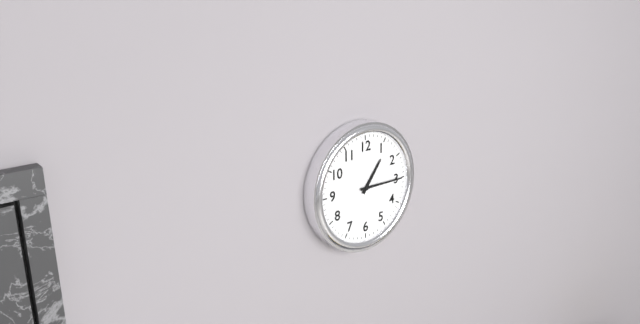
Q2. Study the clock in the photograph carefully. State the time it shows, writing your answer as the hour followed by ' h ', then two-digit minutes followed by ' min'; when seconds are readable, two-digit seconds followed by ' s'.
1 h 15 min
